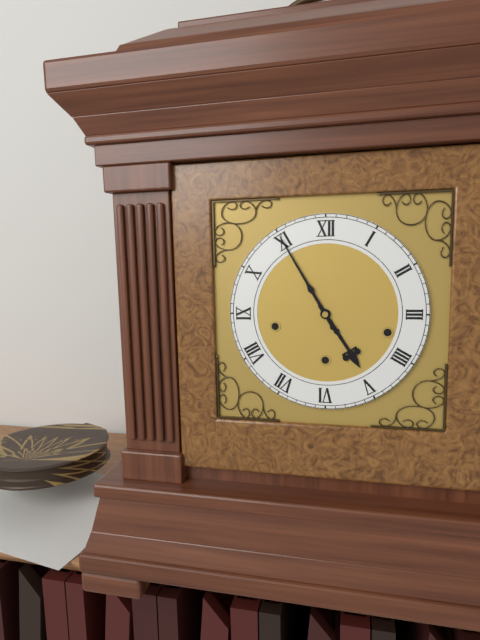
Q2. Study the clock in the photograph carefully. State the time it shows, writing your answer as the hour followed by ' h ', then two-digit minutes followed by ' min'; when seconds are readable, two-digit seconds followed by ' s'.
4 h 55 min
